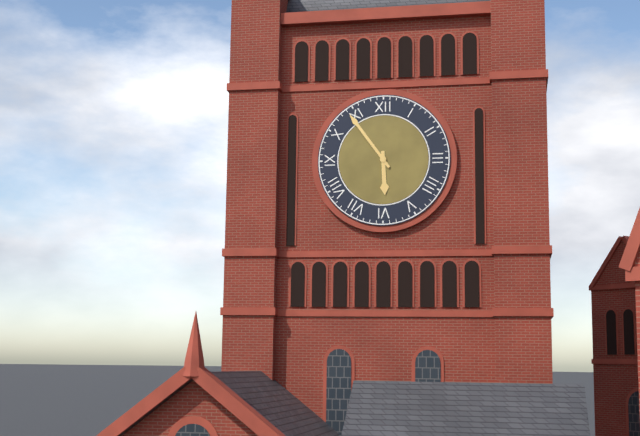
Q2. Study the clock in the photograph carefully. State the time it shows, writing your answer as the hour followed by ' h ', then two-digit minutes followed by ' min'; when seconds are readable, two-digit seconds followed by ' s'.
5 h 54 min
